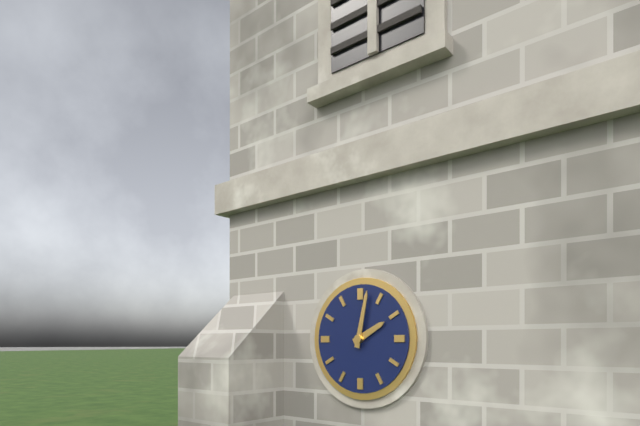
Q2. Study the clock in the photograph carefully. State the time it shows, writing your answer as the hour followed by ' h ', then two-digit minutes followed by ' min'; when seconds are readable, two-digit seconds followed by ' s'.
2 h 02 min
